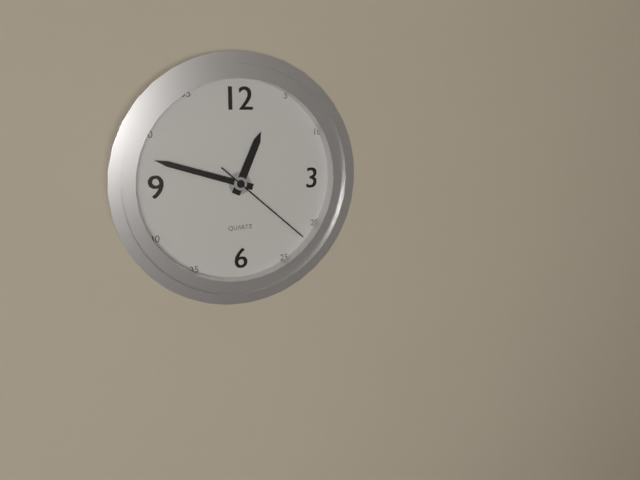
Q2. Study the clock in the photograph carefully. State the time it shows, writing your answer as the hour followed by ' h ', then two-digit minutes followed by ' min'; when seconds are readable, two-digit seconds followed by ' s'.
12 h 48 min 22 s
